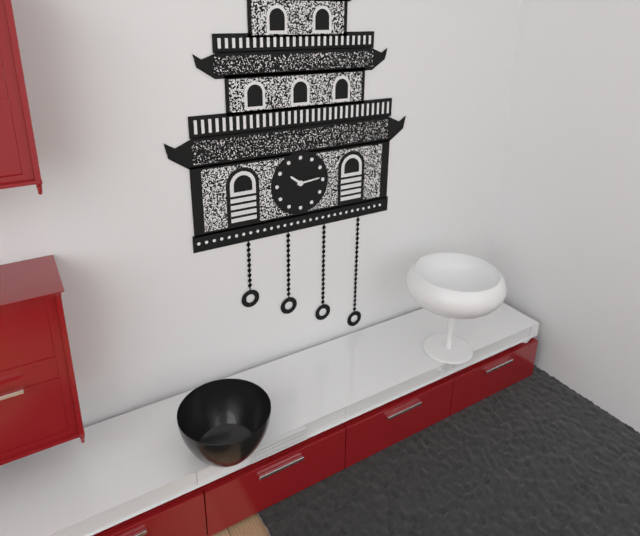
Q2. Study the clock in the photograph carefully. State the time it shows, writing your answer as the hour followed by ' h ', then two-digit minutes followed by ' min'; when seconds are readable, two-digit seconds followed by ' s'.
10 h 14 min
